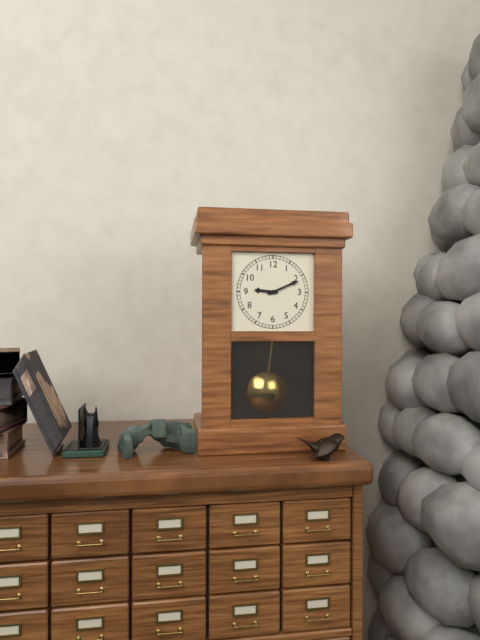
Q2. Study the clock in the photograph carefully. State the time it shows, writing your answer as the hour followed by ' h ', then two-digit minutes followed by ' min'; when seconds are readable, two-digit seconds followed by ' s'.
9 h 11 min
